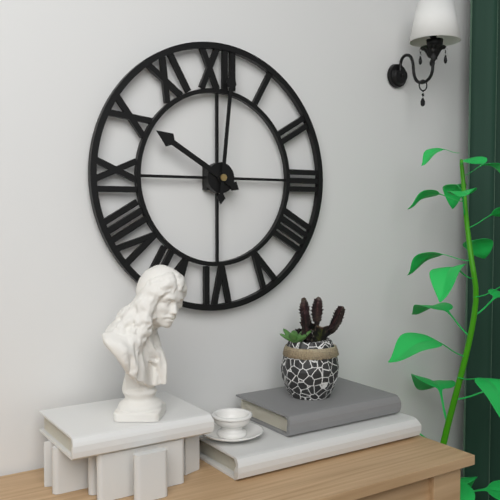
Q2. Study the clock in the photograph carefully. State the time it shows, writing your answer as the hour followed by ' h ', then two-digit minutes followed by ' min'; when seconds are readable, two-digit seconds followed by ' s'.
10 h 01 min
